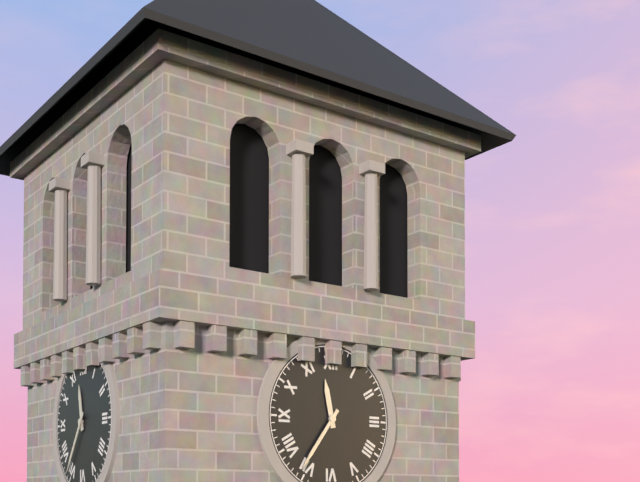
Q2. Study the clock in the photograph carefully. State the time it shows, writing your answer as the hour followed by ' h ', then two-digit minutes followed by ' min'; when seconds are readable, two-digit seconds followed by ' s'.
11 h 36 min
